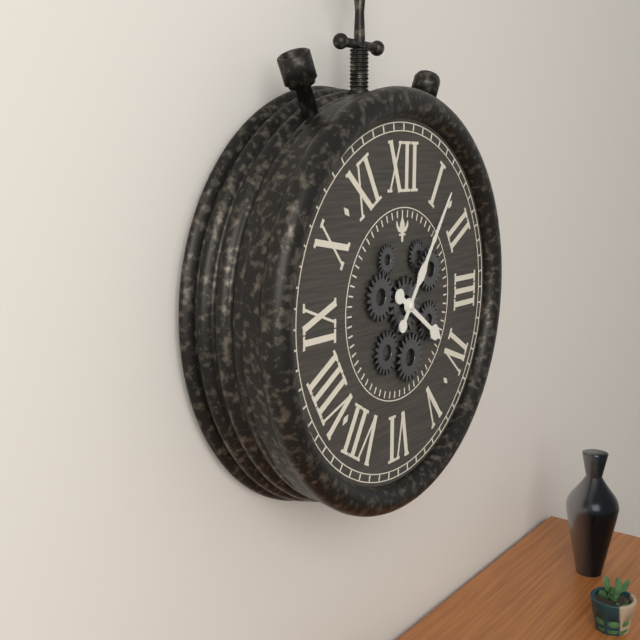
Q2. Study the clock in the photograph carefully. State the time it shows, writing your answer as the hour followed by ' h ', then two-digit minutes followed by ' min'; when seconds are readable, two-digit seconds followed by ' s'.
4 h 06 min
